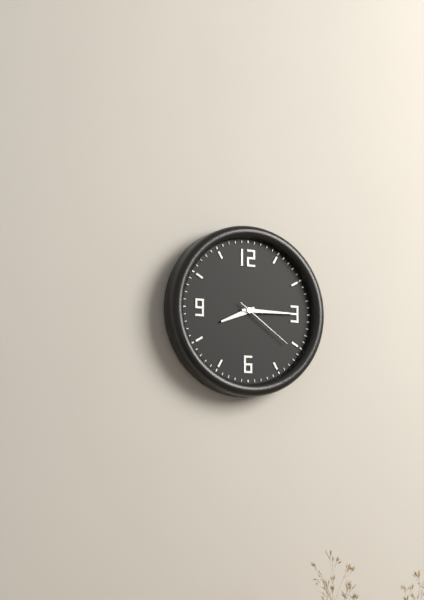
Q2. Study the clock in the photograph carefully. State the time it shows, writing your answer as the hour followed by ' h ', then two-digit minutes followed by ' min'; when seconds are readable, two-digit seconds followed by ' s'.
8 h 15 min 21 s
